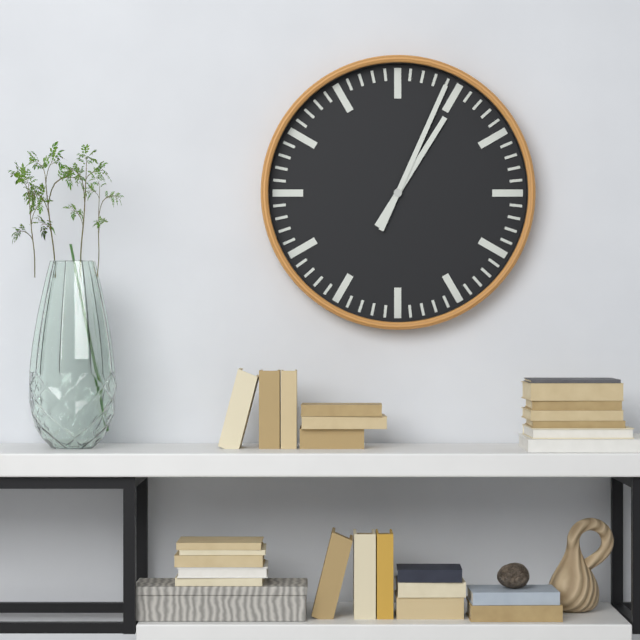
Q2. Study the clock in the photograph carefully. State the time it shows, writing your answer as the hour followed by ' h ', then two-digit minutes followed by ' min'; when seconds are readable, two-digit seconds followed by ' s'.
1 h 04 min
